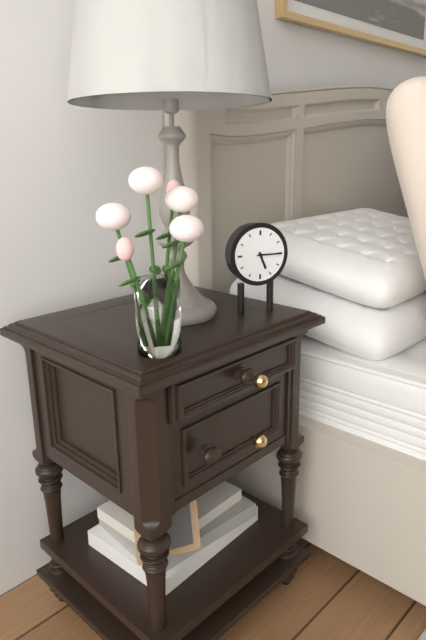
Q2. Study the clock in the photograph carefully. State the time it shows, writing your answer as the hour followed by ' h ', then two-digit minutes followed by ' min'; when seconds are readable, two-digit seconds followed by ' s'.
5 h 15 min
